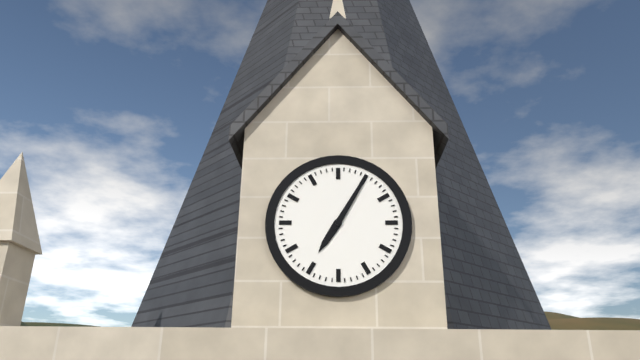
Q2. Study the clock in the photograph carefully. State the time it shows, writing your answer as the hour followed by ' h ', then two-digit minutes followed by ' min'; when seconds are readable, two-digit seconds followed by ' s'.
7 h 05 min
